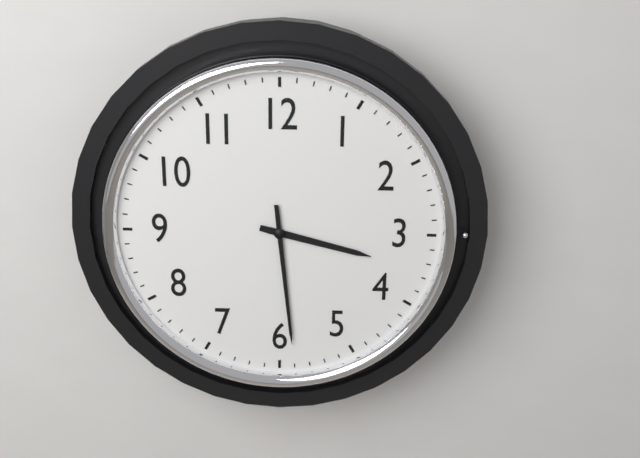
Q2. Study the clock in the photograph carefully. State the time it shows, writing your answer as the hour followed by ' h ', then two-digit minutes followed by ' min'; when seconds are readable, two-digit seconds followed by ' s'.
3 h 29 min
